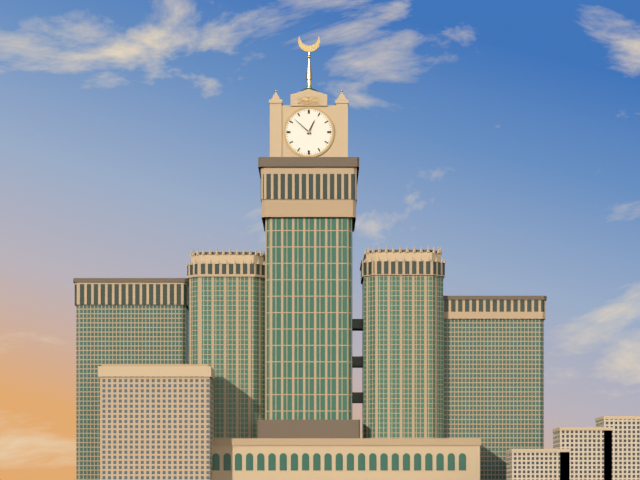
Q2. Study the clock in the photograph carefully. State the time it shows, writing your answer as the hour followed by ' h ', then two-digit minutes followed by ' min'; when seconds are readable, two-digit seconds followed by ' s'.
12 h 52 min
